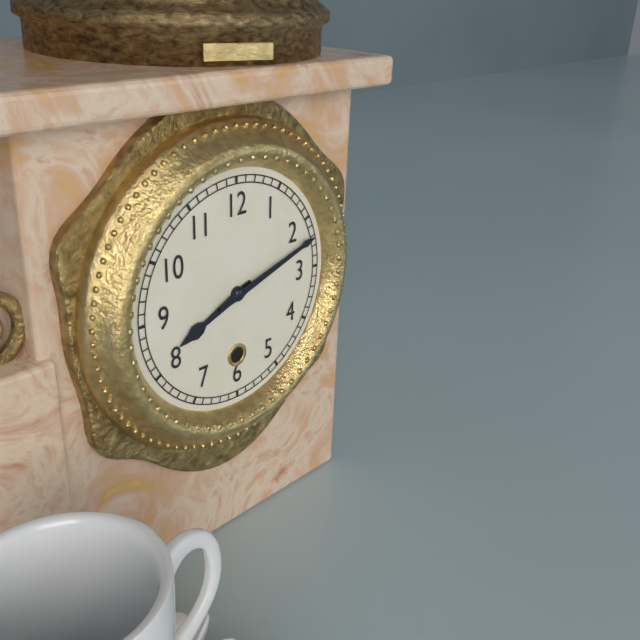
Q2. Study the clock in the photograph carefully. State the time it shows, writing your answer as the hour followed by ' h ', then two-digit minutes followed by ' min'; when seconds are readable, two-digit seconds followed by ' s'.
8 h 12 min
